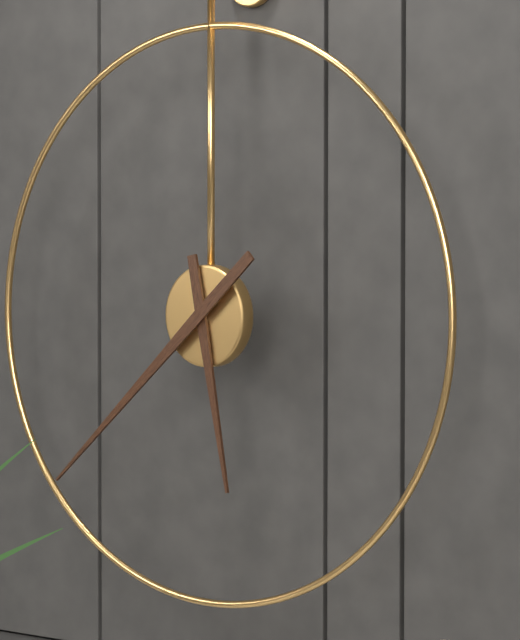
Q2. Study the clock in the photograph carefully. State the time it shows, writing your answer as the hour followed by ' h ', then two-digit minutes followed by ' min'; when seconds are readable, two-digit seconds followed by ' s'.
5 h 38 min
